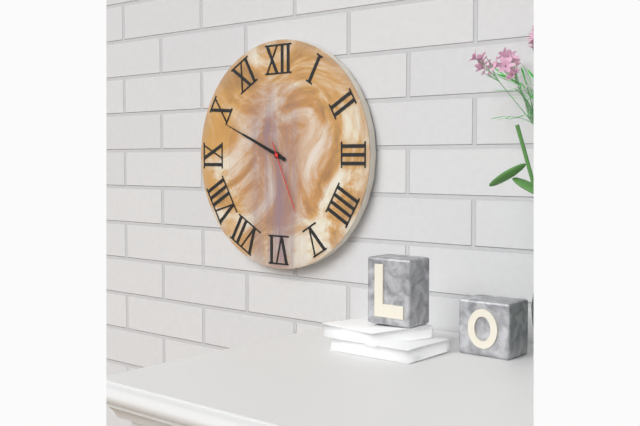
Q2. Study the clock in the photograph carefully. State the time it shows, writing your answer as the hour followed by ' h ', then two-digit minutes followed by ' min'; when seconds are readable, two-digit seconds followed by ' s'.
9 h 49 min 26 s
